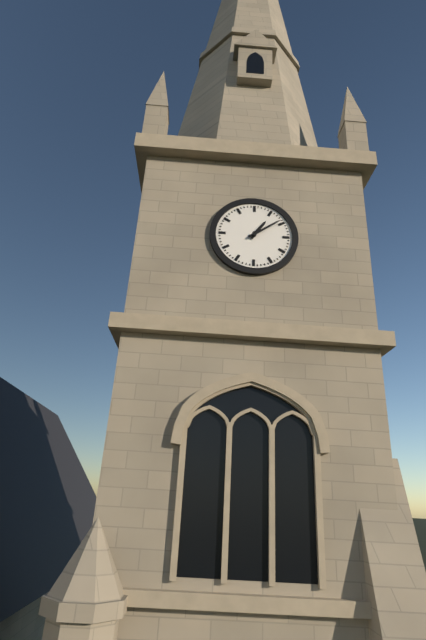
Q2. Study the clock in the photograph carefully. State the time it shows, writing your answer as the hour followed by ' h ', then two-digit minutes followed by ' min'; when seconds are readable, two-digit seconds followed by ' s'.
1 h 09 min
